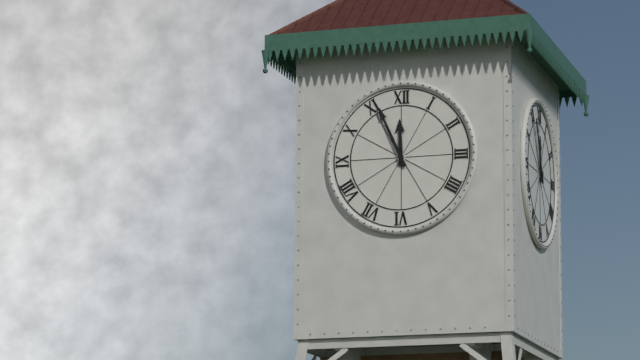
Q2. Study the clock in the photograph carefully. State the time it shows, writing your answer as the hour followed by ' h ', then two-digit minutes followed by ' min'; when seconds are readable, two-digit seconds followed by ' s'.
11 h 56 min
